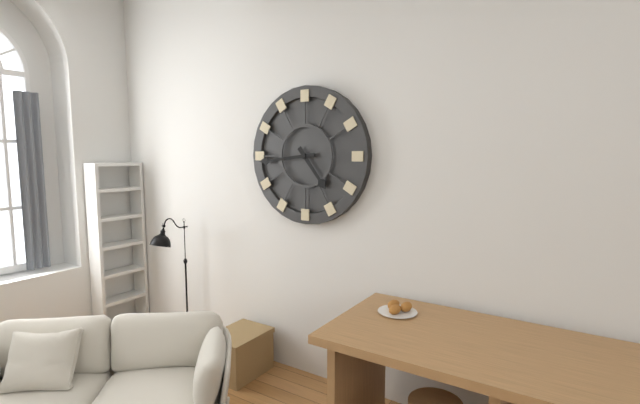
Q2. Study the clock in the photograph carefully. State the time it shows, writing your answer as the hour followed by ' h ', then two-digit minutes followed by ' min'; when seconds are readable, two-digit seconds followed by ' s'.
4 h 44 min
